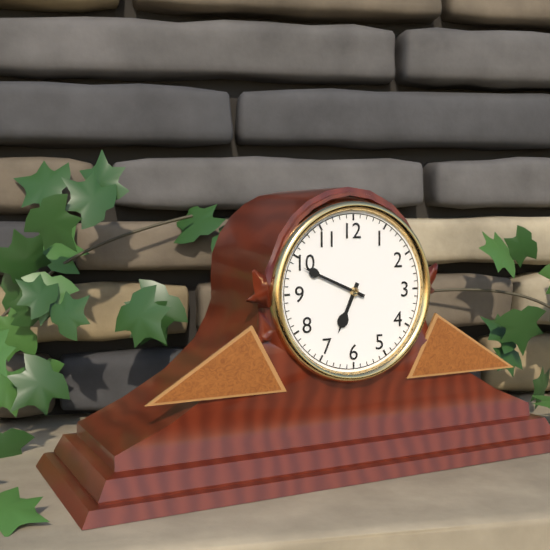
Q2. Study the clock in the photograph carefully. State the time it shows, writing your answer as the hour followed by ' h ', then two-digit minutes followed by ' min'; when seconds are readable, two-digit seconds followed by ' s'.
6 h 49 min
